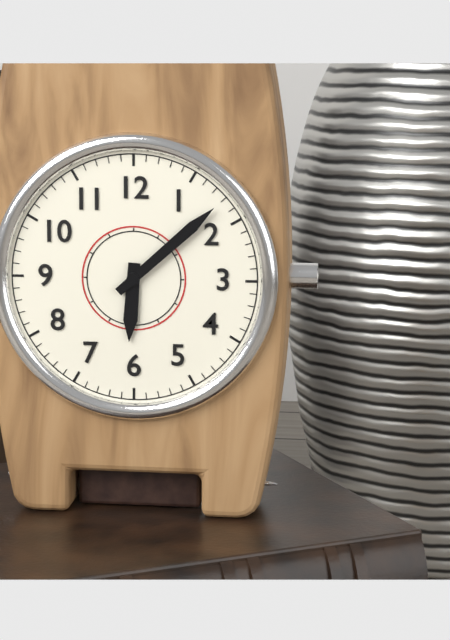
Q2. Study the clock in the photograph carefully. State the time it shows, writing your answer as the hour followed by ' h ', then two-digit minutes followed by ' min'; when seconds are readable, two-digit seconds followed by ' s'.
6 h 08 min
